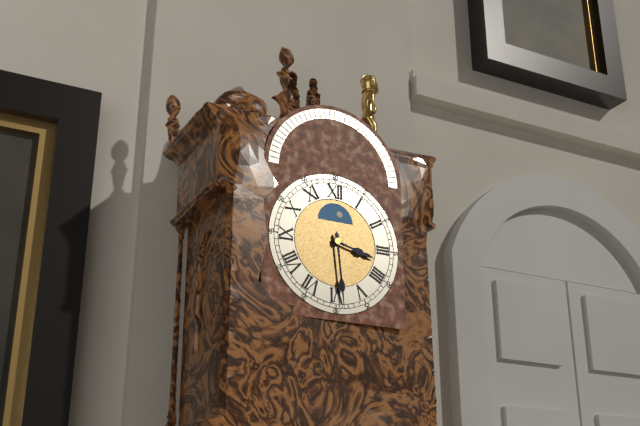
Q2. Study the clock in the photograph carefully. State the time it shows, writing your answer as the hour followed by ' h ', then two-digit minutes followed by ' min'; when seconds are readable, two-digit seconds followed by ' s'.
3 h 29 min
